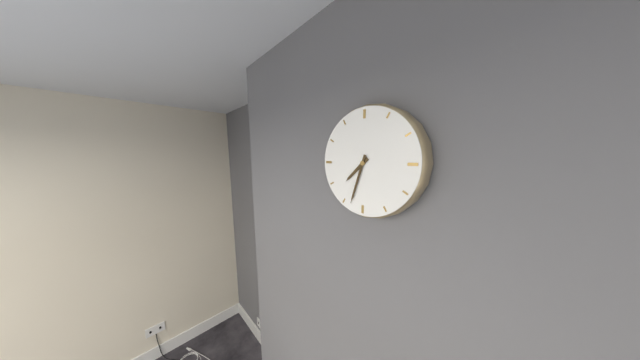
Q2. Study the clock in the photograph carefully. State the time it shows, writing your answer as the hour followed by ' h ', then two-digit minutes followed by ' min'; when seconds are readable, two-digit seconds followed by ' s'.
7 h 33 min
